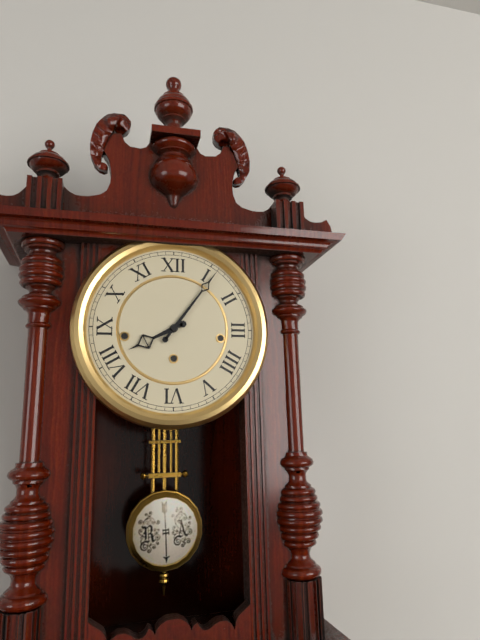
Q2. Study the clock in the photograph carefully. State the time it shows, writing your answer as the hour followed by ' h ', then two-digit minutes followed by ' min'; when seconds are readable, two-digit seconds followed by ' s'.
8 h 06 min
